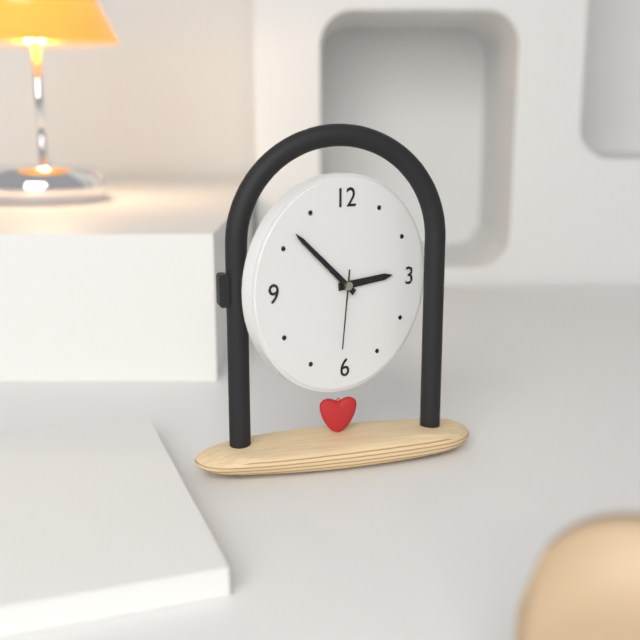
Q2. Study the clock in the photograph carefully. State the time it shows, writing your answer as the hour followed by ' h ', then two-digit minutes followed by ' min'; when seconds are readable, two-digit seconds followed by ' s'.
2 h 52 min 31 s
